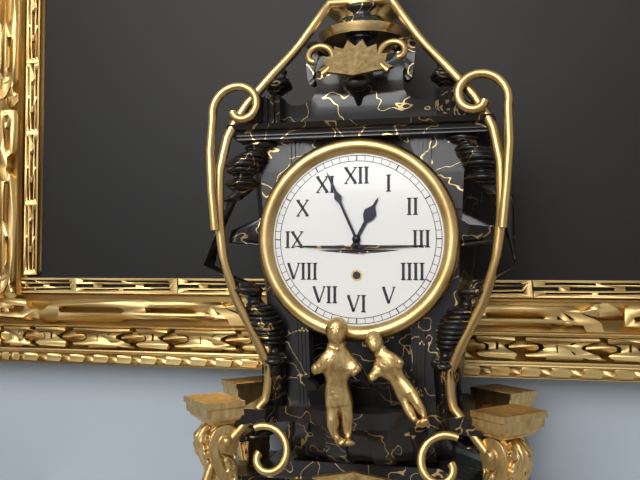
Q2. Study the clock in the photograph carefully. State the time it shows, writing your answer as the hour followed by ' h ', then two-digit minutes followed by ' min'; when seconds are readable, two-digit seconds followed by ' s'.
12 h 56 min
